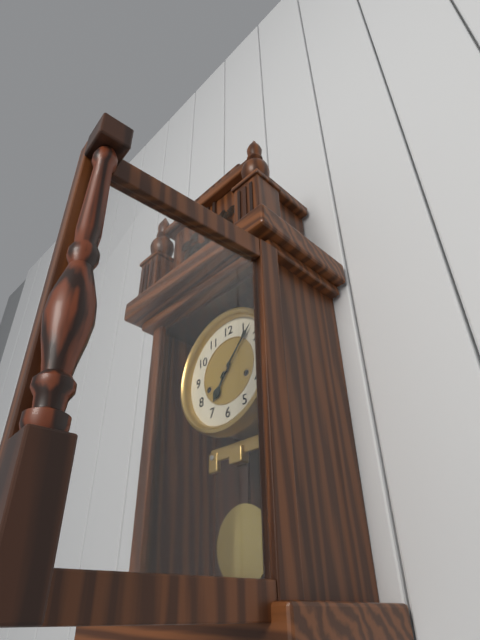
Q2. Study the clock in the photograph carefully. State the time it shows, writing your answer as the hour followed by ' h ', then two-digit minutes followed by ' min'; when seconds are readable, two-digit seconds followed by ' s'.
7 h 07 min
